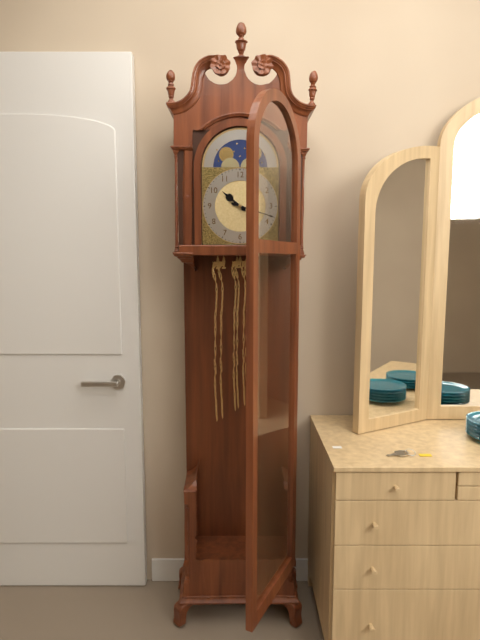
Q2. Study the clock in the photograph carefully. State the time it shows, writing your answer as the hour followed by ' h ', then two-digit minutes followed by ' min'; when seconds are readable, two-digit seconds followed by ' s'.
10 h 18 min
